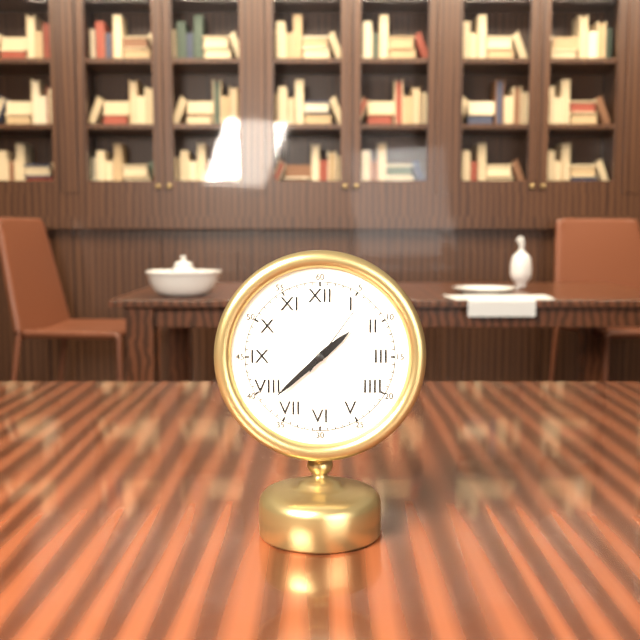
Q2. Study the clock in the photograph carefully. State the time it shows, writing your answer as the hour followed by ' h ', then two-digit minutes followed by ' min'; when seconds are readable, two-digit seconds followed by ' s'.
1 h 38 min 06 s
